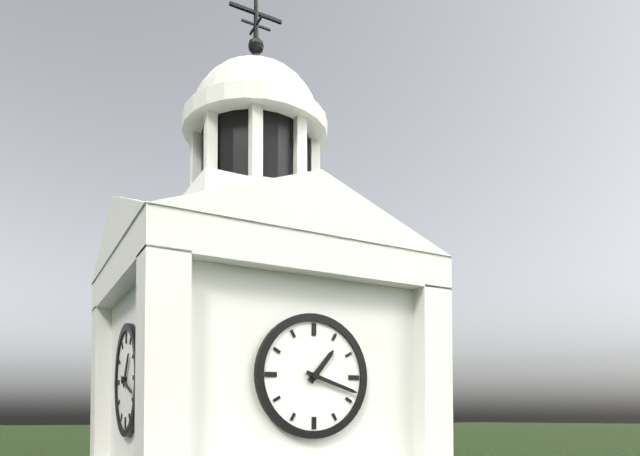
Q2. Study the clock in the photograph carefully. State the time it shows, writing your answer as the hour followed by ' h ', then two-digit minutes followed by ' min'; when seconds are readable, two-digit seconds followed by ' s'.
1 h 18 min
